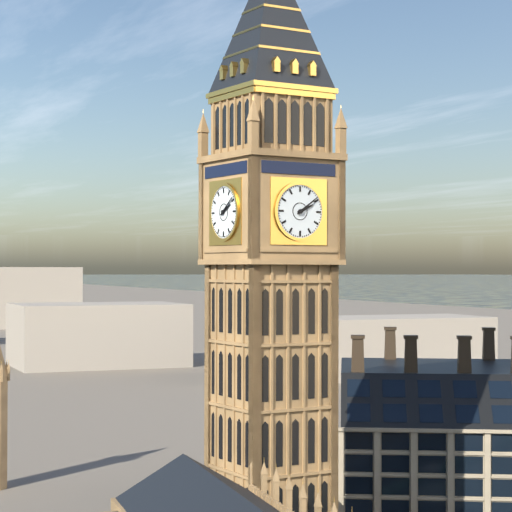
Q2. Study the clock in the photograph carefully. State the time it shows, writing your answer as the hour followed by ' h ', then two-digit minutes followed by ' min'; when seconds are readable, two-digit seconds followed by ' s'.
2 h 09 min
